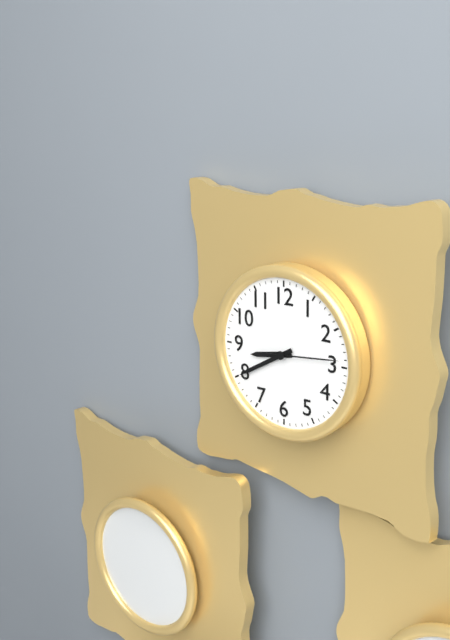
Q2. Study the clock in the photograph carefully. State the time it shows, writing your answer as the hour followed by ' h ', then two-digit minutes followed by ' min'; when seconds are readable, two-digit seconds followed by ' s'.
8 h 40 min 14 s
